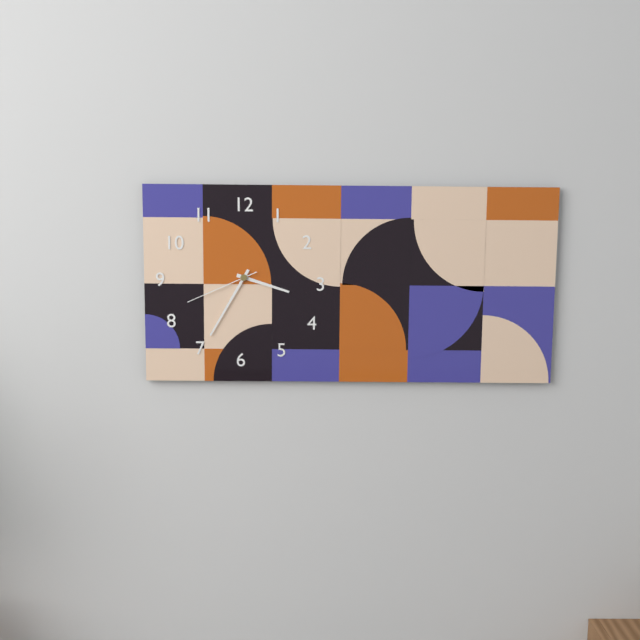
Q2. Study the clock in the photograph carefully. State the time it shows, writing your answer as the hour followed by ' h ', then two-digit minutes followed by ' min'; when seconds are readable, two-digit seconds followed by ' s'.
3 h 35 min 41 s
